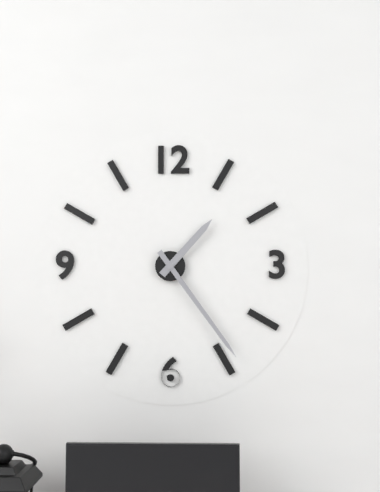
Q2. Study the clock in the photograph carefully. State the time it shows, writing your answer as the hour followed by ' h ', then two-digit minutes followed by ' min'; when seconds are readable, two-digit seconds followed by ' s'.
1 h 24 min
